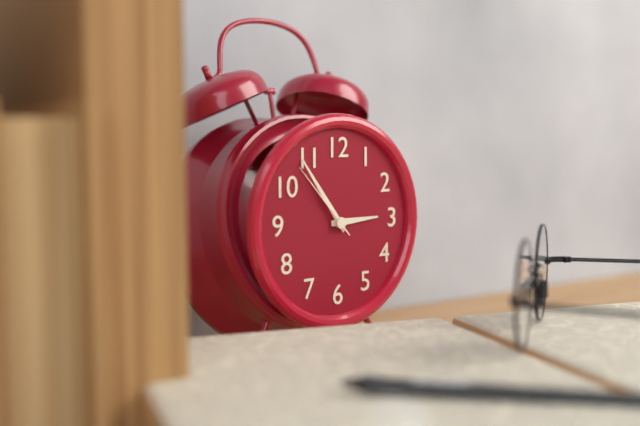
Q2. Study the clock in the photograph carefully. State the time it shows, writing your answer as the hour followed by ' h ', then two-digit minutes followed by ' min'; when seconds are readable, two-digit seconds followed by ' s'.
2 h 54 min 53 s
